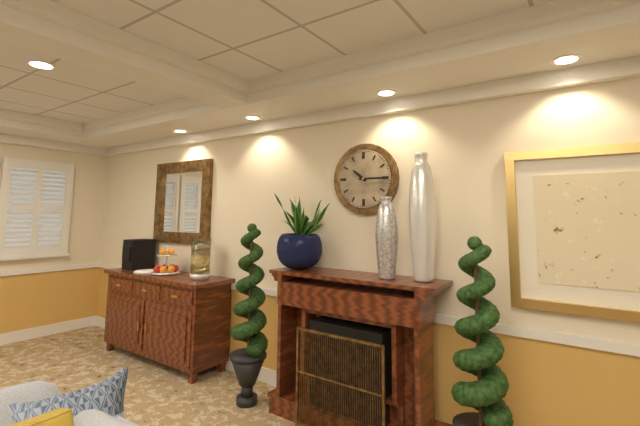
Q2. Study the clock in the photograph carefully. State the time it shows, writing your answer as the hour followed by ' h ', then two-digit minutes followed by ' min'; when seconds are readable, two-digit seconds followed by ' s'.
10 h 15 min
